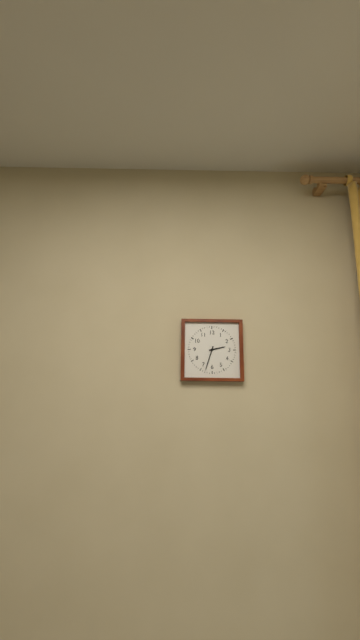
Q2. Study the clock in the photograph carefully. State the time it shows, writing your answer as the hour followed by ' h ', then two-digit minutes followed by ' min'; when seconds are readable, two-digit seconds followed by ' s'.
2 h 33 min
